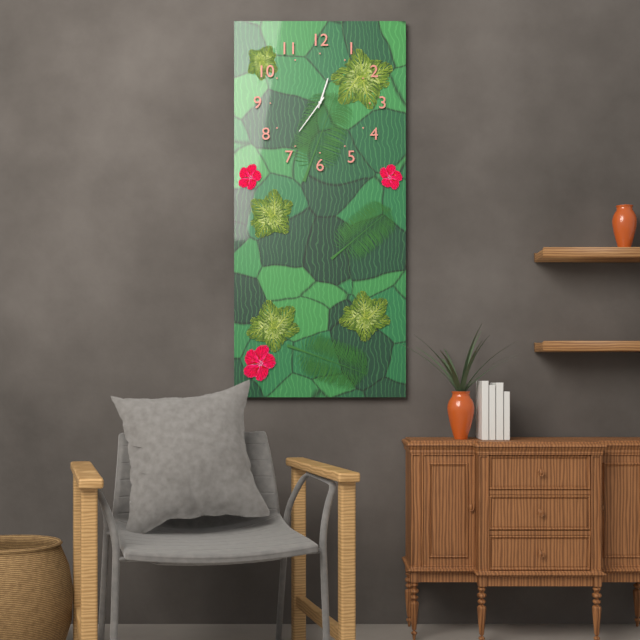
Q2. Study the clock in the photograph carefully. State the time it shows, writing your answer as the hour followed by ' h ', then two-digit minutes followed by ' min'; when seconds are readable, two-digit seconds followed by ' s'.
12 h 36 min
